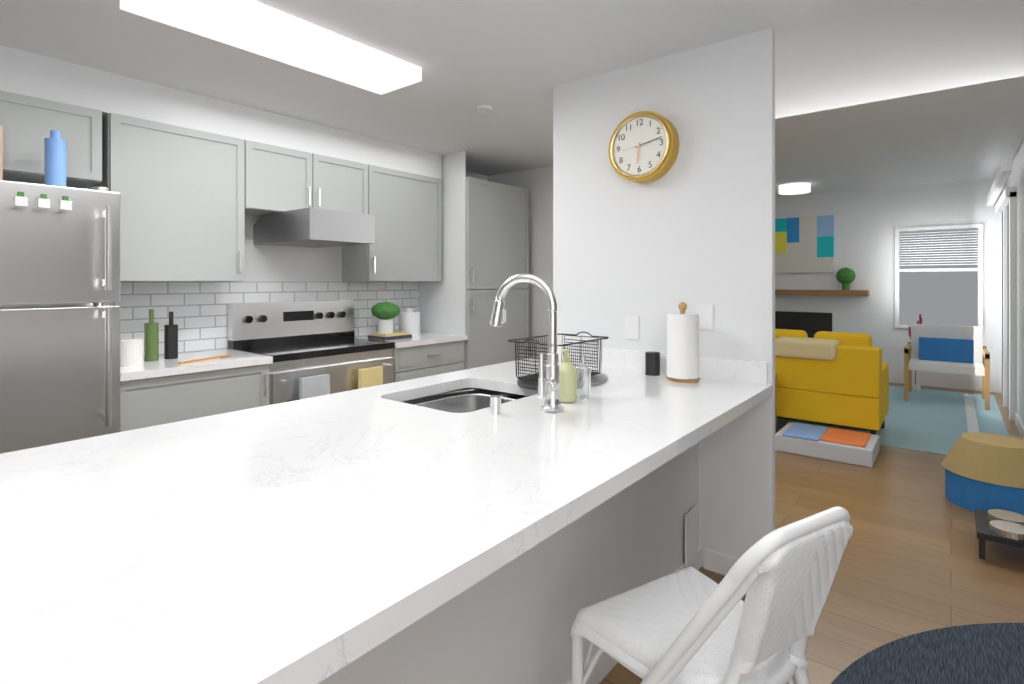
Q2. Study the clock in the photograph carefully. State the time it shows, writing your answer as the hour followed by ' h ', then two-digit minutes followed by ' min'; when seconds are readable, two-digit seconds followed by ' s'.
6 h 13 min
